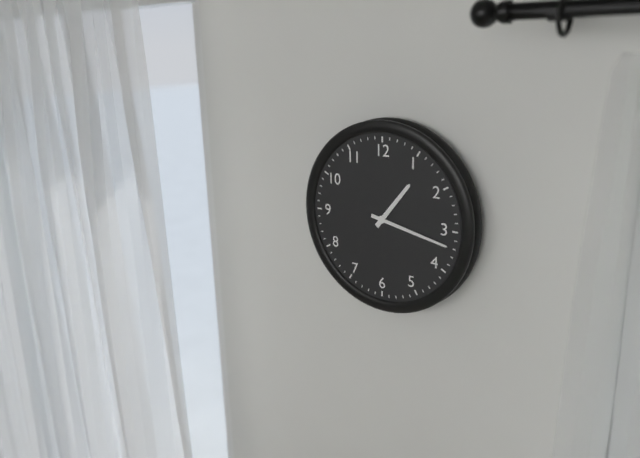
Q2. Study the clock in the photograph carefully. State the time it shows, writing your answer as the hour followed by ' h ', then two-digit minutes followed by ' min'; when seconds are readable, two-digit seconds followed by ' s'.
1 h 17 min
